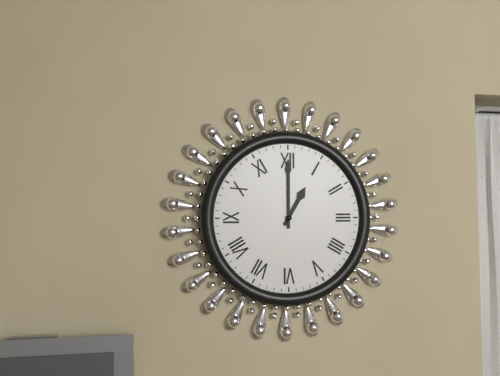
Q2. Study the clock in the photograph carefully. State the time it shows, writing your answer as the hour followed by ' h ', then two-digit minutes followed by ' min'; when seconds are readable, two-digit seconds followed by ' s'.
1 h 00 min
